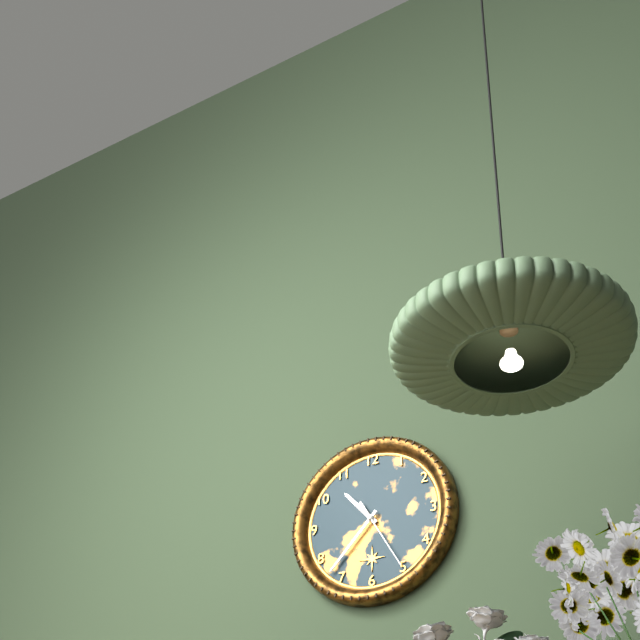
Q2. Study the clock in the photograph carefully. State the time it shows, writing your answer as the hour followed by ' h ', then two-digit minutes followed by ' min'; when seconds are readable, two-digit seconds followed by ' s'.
10 h 37 min 25 s
